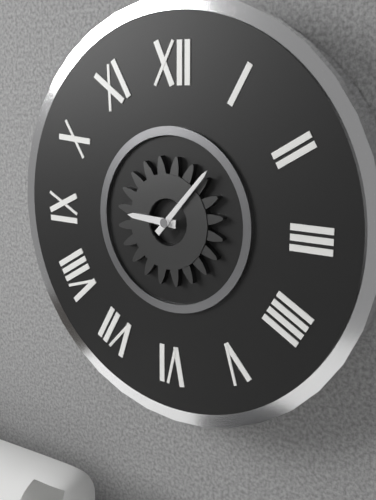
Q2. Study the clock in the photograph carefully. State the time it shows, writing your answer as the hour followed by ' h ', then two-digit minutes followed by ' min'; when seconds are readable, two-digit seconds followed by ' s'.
9 h 07 min
